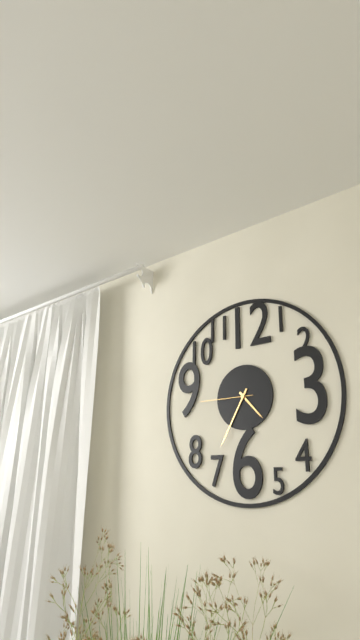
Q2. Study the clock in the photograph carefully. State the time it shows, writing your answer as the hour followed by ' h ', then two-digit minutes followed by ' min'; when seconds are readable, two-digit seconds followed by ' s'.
4 h 35 min 45 s
